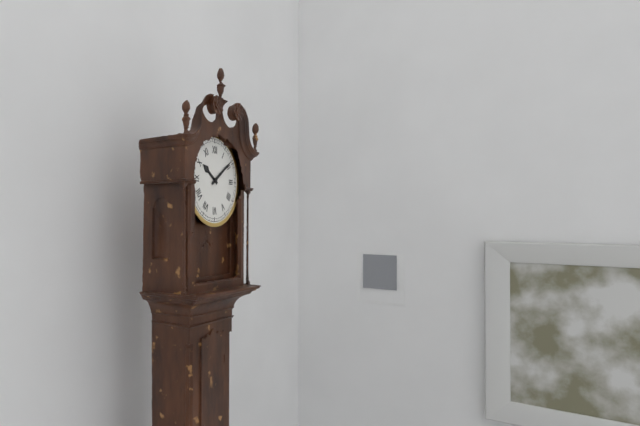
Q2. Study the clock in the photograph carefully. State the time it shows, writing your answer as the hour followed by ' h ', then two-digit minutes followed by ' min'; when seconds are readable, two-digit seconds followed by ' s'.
10 h 09 min
